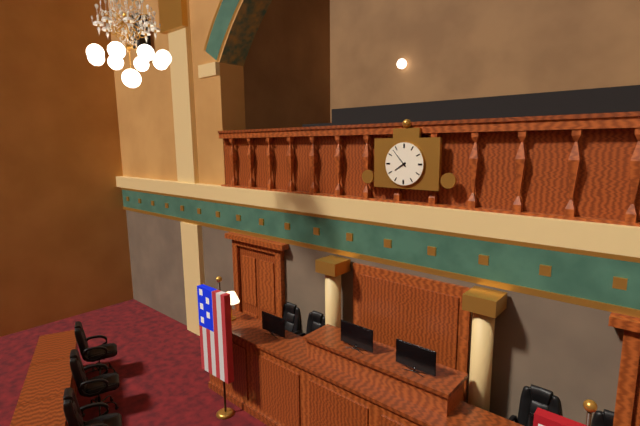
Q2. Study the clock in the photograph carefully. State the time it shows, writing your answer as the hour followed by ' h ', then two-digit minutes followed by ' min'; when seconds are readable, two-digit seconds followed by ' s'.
7 h 53 min
